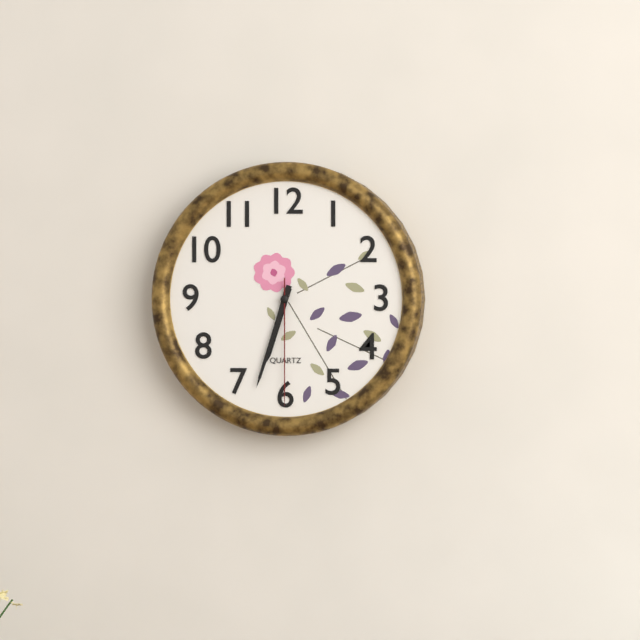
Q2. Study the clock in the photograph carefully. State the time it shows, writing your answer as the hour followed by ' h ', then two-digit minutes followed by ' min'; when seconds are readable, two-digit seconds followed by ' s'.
6 h 33 min 30 s
